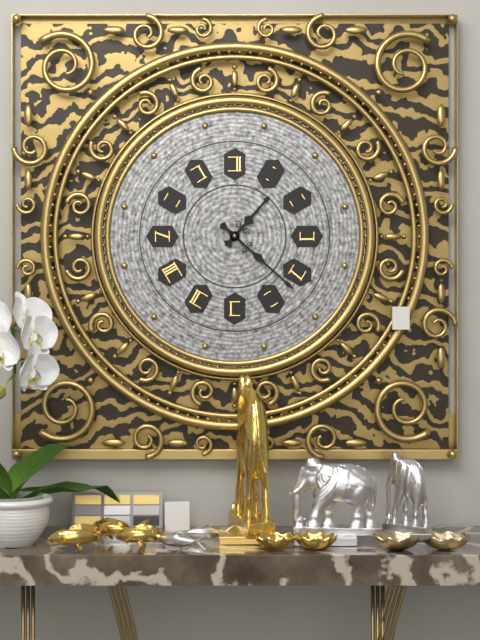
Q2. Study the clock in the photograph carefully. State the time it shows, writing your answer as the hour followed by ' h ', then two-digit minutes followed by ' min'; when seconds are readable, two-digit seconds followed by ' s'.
1 h 22 min
